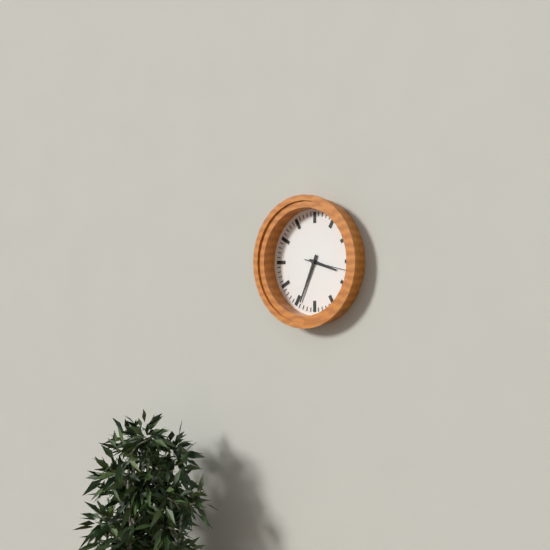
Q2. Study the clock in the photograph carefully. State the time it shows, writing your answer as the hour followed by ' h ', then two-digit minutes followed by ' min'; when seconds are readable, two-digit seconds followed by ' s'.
3 h 34 min
